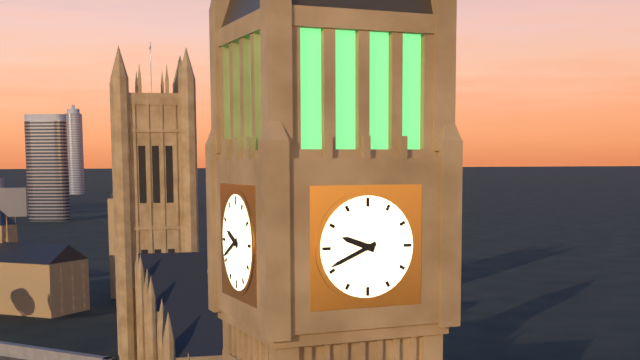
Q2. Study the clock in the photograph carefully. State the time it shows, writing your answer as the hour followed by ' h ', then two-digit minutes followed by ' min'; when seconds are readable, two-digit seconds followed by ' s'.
9 h 41 min
